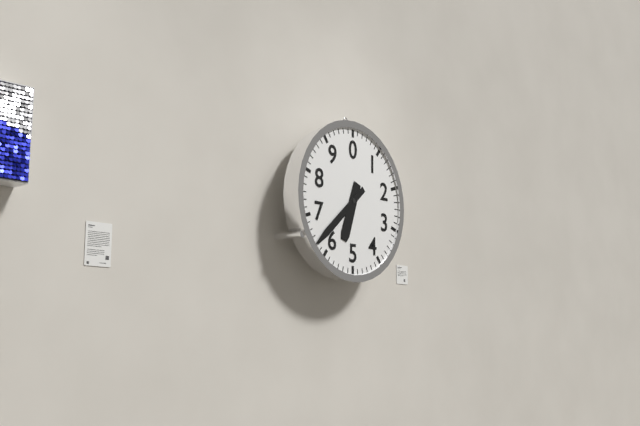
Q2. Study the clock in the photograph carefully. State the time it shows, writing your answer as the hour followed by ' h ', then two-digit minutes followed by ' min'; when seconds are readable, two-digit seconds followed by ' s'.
6 h 38 min
